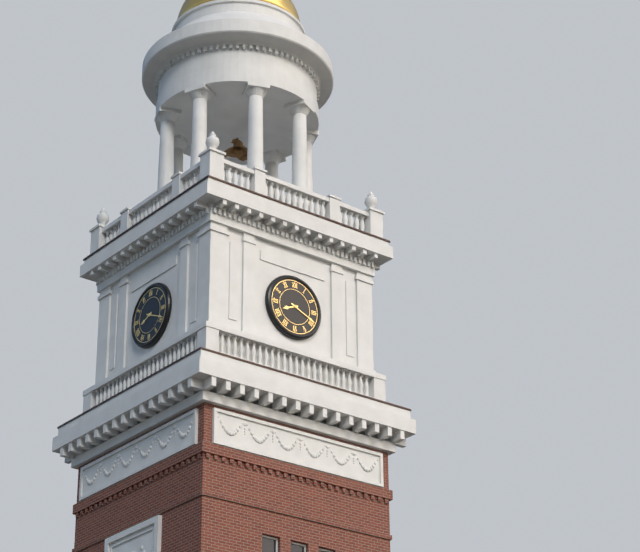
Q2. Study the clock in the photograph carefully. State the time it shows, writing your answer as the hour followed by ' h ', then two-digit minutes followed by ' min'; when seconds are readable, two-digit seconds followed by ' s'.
8 h 19 min
